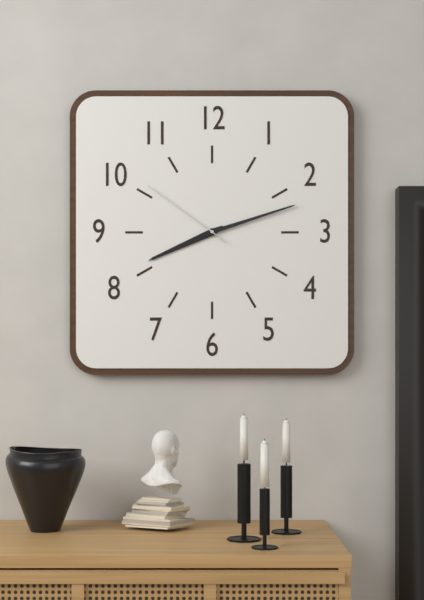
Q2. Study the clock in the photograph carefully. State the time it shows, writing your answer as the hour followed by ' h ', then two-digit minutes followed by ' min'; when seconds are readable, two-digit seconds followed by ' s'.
8 h 12 min 51 s
